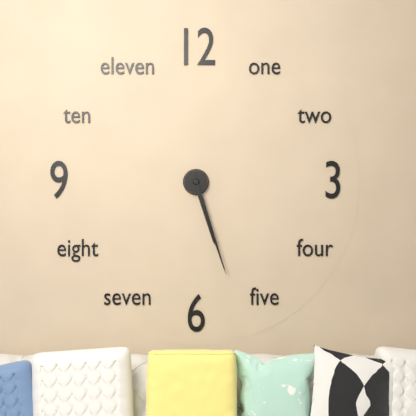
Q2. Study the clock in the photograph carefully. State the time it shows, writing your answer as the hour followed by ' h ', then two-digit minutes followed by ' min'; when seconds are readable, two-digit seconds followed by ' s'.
5 h 27 min
